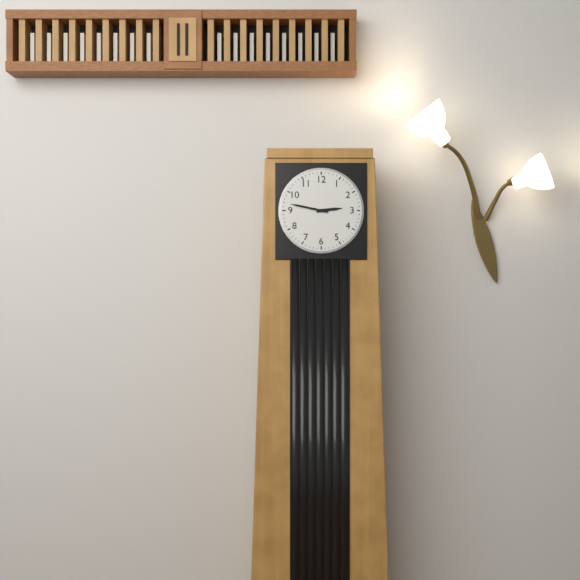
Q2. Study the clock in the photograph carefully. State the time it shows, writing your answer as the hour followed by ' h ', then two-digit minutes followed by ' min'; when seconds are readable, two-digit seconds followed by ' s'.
2 h 47 min
